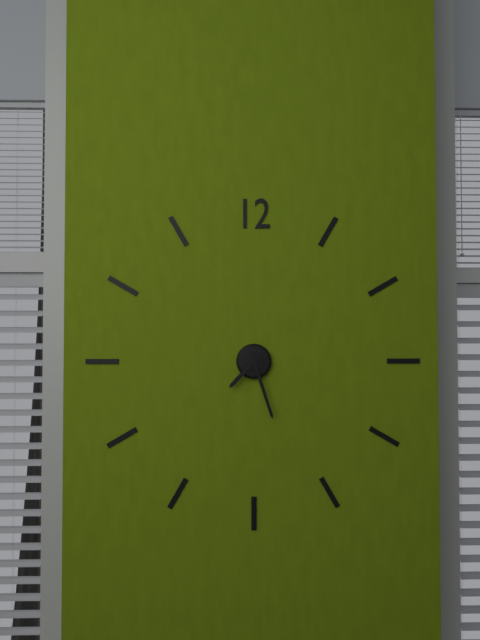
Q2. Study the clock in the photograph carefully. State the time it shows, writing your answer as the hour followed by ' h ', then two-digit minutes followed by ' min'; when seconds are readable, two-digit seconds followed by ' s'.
7 h 27 min
